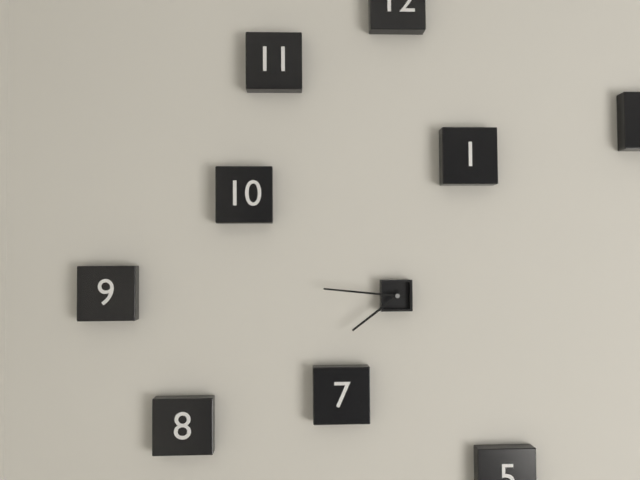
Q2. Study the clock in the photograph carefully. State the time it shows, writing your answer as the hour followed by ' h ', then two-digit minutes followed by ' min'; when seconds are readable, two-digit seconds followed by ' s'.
7 h 46 min
